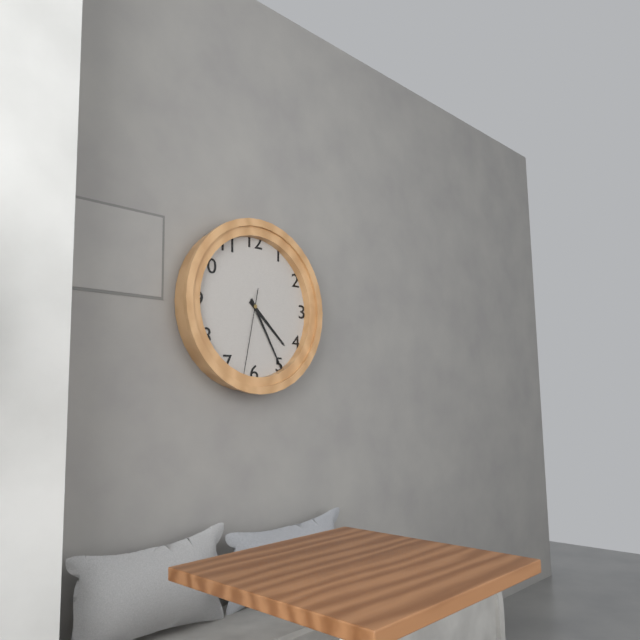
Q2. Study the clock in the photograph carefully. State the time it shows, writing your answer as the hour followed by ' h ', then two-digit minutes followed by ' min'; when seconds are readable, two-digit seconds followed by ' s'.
4 h 25 min 32 s
